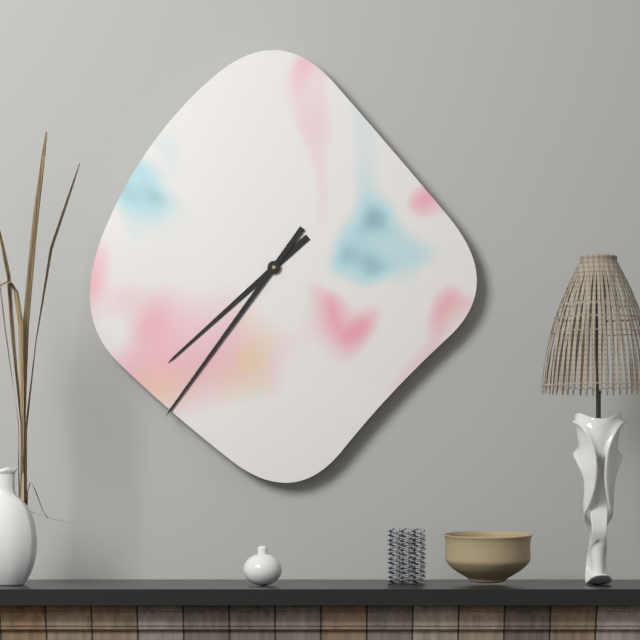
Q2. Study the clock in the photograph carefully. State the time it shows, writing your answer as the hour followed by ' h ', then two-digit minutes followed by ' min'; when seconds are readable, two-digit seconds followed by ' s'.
7 h 36 min
